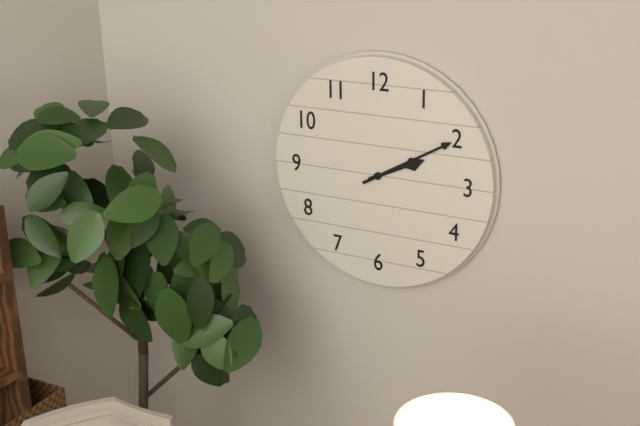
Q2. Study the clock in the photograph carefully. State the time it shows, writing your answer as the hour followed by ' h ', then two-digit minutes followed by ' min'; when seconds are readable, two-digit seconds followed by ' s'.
2 h 10 min
